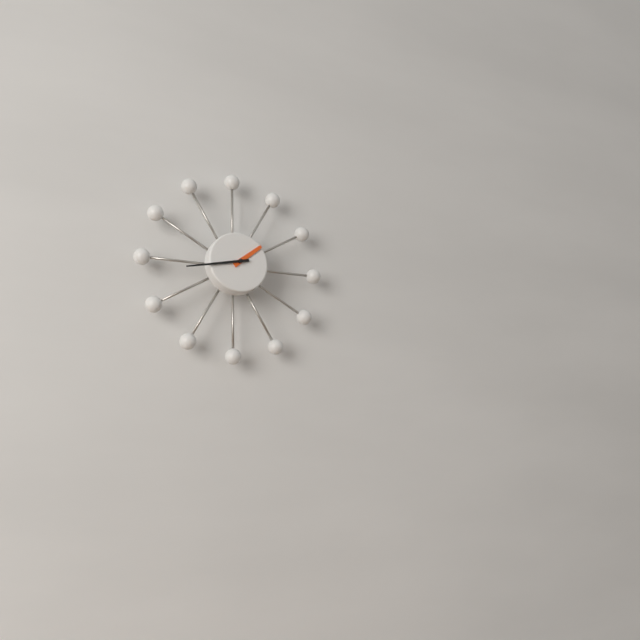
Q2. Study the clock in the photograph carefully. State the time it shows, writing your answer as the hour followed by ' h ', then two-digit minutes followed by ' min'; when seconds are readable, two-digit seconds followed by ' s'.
1 h 43 min
